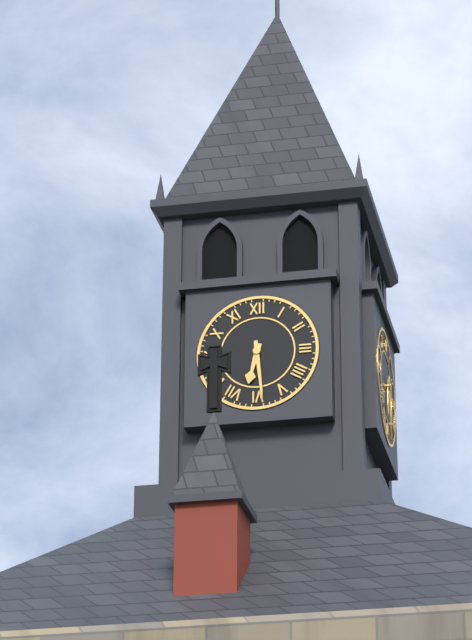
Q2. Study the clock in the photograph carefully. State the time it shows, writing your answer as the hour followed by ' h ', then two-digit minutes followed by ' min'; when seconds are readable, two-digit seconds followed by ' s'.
6 h 29 min
